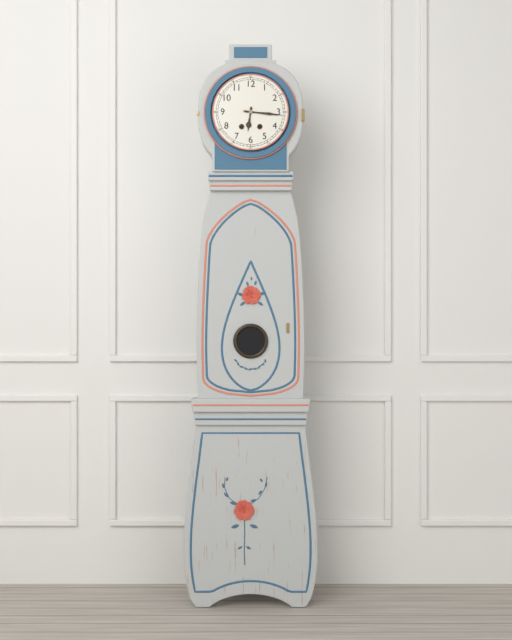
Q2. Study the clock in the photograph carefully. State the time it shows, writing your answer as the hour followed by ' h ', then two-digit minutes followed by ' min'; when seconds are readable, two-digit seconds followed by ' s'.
6 h 16 min
